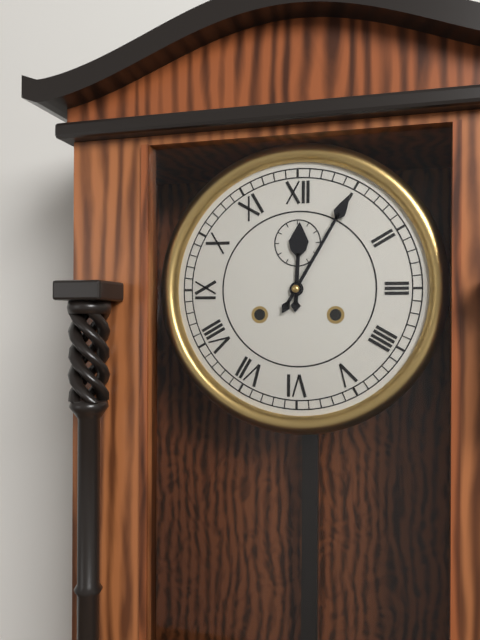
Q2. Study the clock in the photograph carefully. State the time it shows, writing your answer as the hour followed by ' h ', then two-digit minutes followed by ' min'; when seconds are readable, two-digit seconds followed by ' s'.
12 h 05 min
